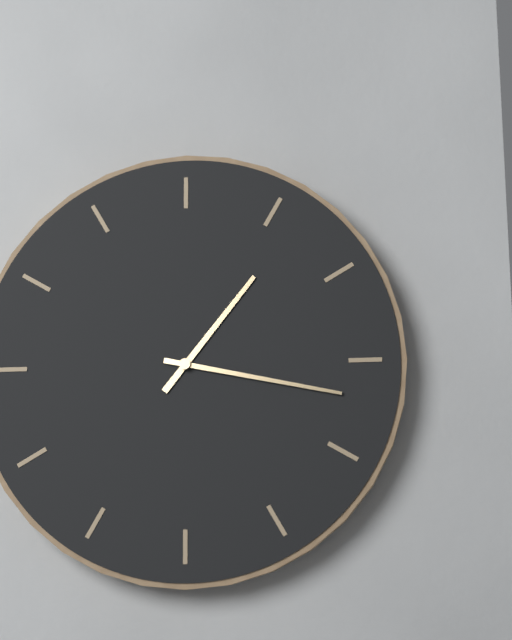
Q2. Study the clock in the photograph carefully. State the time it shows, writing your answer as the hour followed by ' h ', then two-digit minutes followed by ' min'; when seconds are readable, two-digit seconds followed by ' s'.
1 h 17 min
